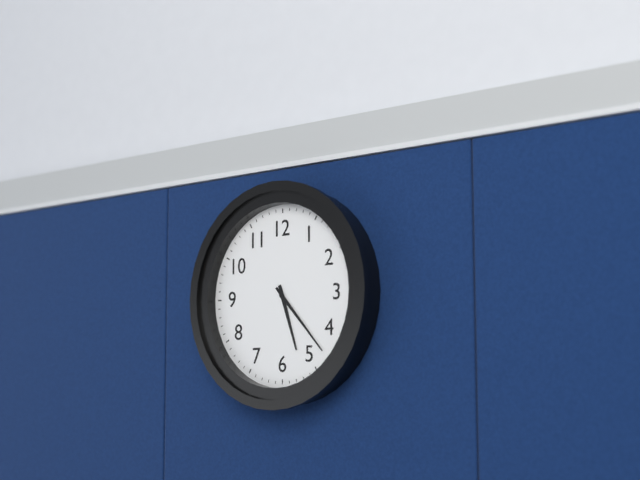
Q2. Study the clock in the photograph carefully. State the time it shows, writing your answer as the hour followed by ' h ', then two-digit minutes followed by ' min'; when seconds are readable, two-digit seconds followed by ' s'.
5 h 23 min
